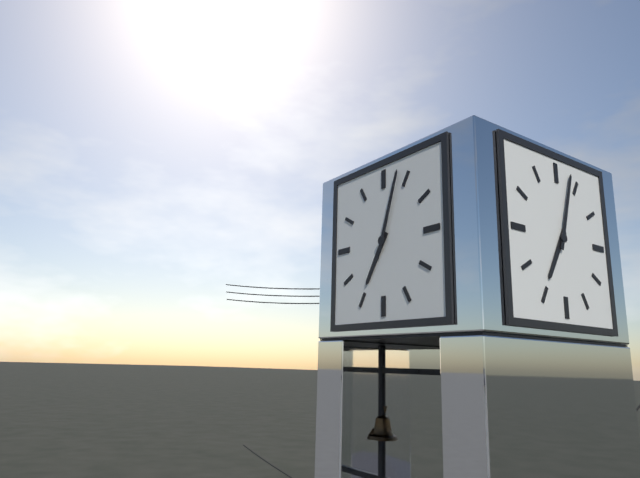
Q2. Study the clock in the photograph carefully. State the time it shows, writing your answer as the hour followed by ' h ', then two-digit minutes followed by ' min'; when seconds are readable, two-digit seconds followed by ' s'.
7 h 03 min
